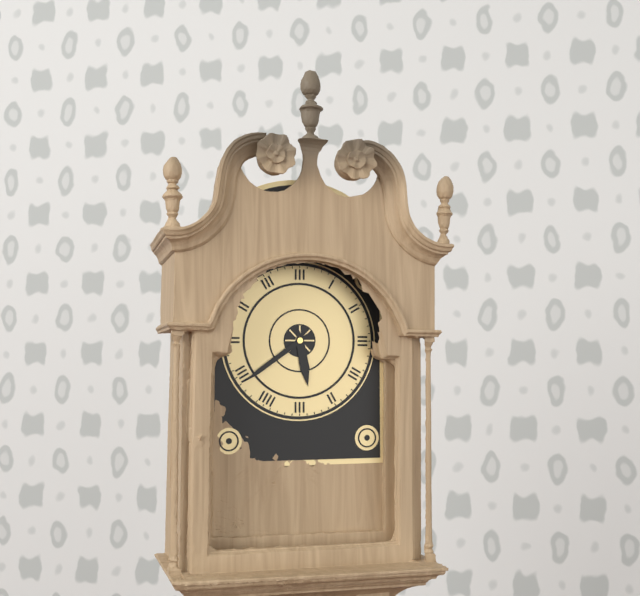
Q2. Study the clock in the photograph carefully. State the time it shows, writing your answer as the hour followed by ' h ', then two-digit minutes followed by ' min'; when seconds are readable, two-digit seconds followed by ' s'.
5 h 39 min
